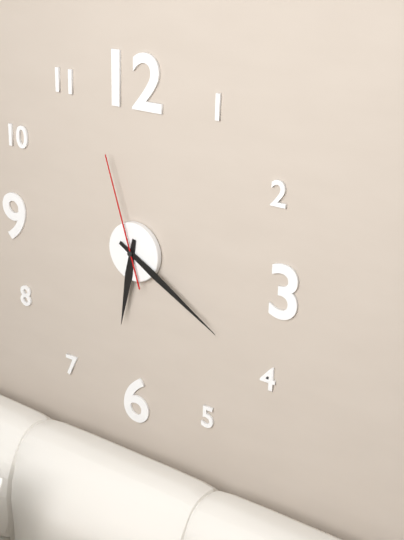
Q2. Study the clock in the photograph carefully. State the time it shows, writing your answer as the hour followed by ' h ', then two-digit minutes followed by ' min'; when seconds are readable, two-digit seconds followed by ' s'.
6 h 20 min 57 s
